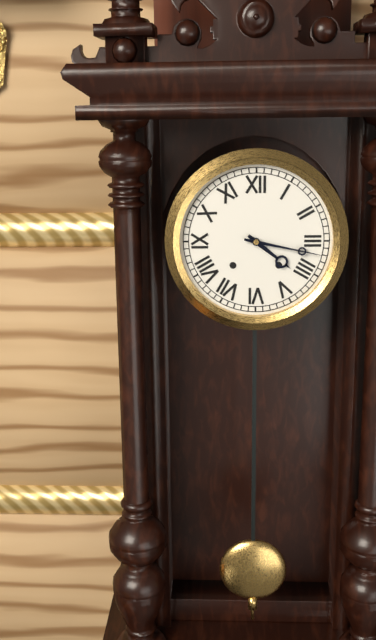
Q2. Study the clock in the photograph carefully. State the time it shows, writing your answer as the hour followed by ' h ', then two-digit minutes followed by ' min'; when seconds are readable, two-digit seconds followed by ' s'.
4 h 17 min
